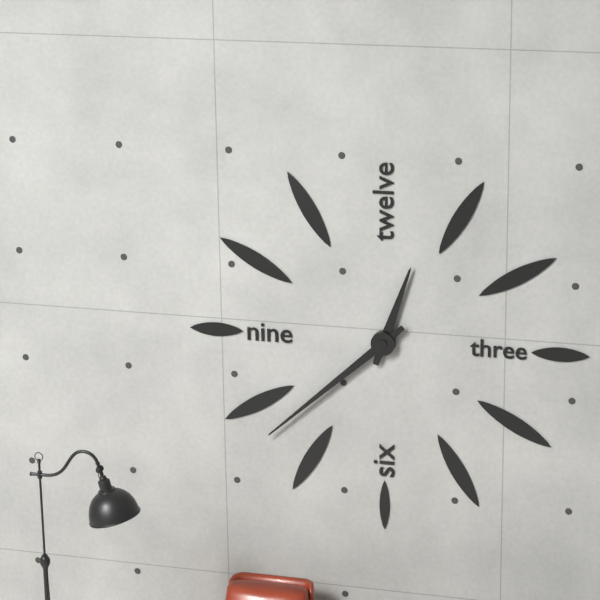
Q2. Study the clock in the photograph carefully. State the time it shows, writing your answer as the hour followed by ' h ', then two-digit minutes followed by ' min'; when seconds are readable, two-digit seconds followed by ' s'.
12 h 38 min
